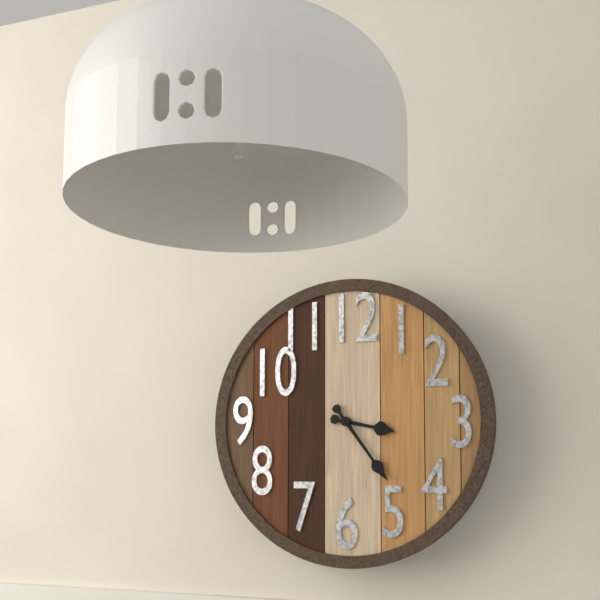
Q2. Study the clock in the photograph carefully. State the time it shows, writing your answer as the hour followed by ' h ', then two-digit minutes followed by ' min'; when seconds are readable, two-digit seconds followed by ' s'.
3 h 24 min
